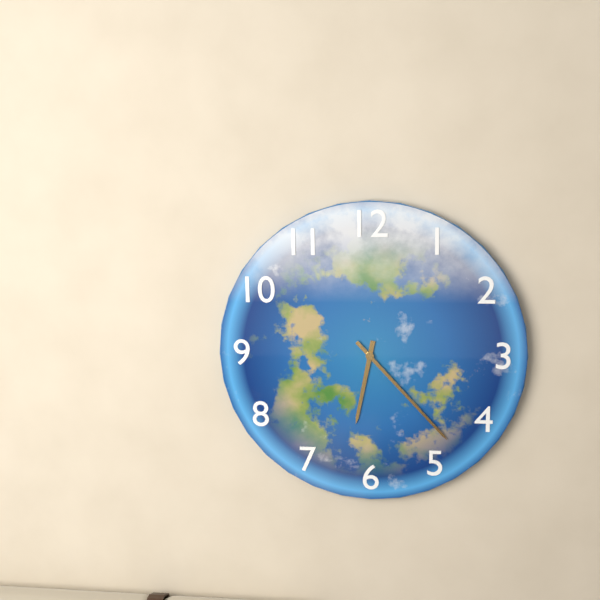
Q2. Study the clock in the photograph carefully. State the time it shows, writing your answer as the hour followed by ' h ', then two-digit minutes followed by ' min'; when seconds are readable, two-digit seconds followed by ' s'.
6 h 23 min
